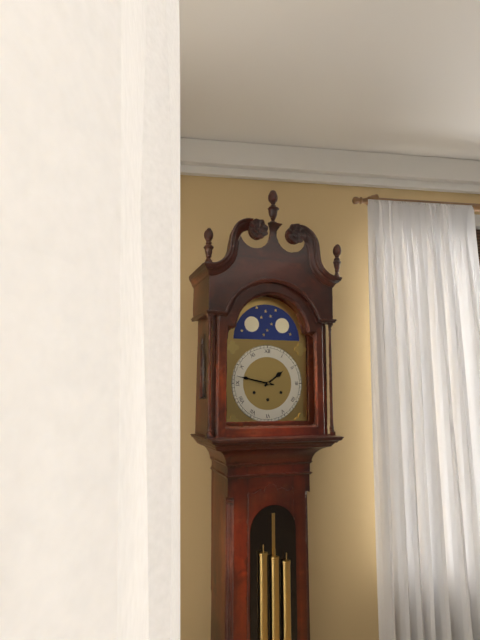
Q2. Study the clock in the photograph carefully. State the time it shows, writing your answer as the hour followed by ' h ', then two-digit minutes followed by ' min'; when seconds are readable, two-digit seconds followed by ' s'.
1 h 47 min
